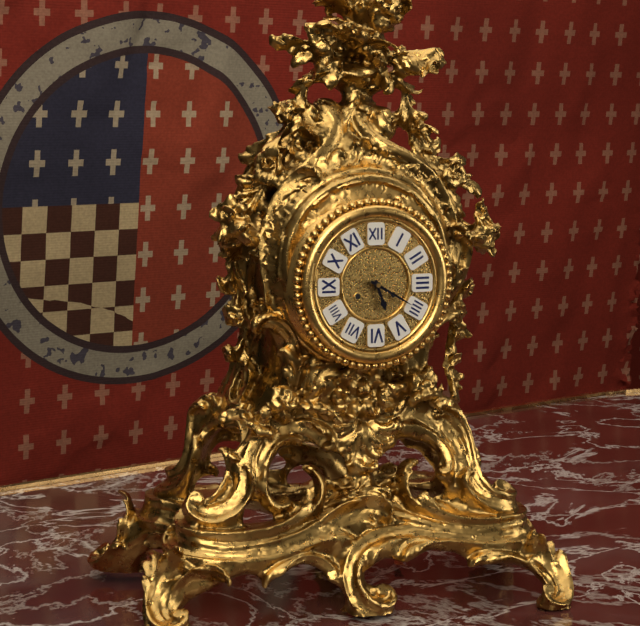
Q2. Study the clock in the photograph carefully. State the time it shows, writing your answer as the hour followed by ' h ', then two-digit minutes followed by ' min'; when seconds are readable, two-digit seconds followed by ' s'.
5 h 20 min
